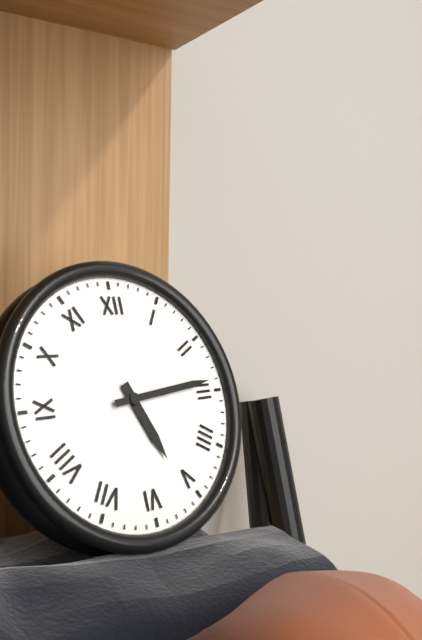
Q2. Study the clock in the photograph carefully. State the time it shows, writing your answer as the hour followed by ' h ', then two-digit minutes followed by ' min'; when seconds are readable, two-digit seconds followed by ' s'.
5 h 14 min
